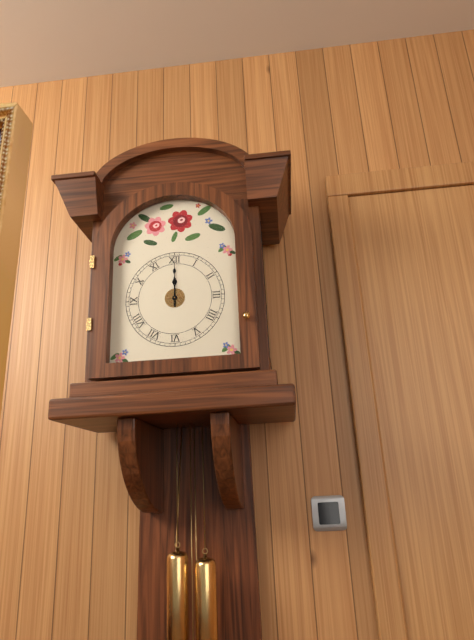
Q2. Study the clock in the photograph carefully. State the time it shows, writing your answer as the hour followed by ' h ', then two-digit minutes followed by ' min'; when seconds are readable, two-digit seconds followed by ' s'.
12 h 00 min
